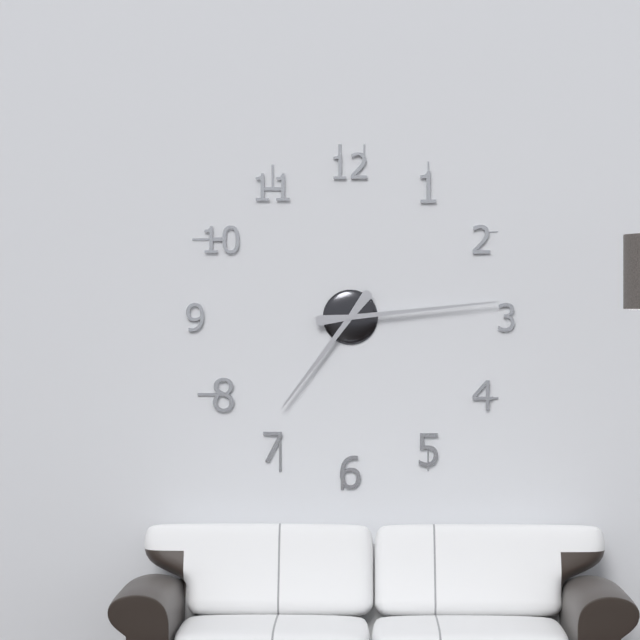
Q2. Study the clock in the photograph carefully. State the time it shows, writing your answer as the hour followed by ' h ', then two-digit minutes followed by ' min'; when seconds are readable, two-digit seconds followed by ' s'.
7 h 14 min
